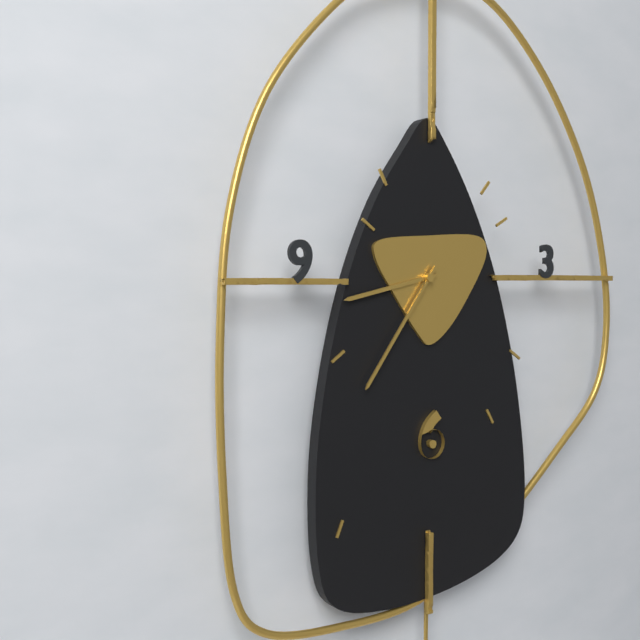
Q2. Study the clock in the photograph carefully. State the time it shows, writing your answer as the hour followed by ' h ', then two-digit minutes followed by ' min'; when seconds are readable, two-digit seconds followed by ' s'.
8 h 36 min
